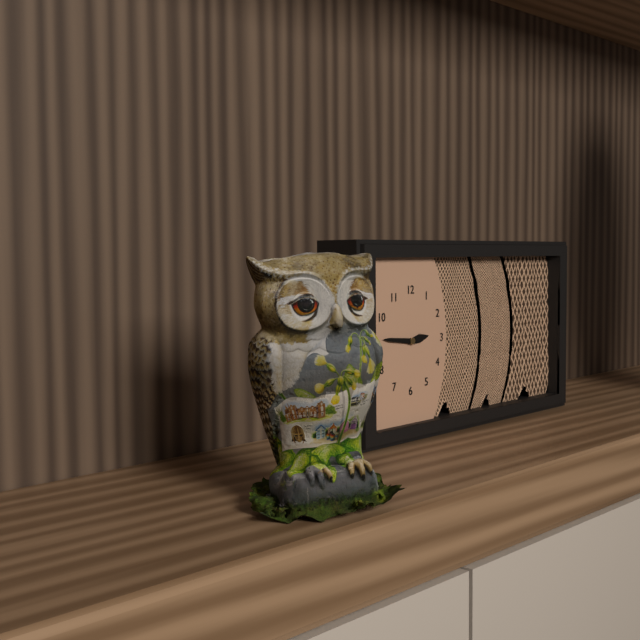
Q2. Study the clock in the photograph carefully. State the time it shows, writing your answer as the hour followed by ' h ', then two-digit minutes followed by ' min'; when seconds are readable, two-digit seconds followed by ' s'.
2 h 46 min
